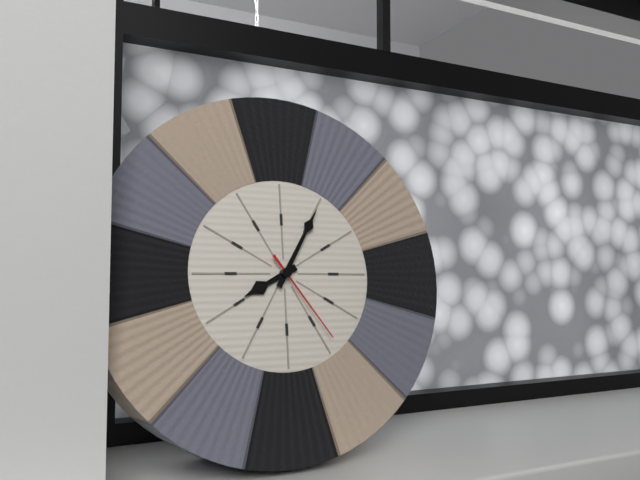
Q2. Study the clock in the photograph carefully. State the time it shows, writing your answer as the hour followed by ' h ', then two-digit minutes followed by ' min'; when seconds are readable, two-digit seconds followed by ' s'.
8 h 05 min 24 s
